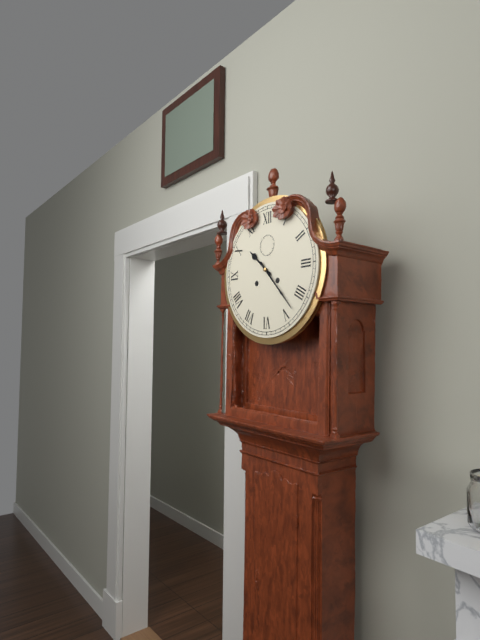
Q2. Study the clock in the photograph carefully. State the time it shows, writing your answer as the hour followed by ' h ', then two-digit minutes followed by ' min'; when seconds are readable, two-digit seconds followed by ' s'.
10 h 23 min
